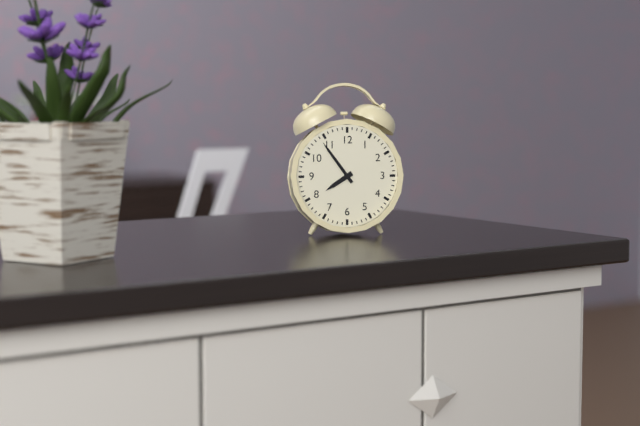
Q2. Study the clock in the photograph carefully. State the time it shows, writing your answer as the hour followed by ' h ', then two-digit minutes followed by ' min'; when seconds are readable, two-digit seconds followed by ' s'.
7 h 54 min
